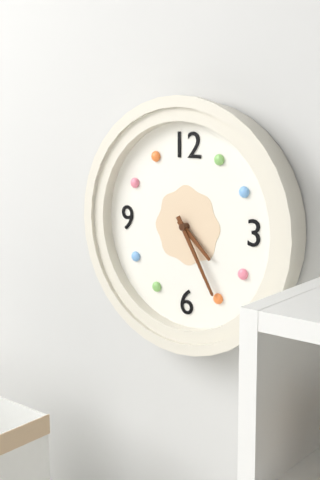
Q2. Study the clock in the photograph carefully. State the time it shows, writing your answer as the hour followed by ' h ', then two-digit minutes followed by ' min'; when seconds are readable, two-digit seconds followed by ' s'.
4 h 25 min
